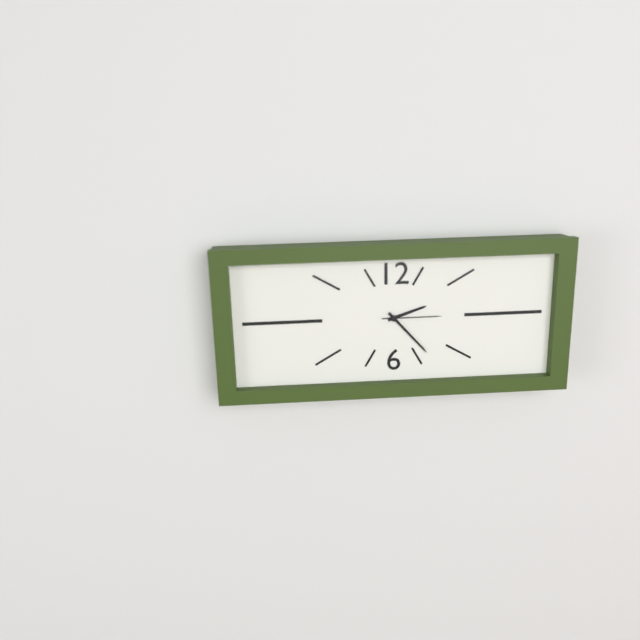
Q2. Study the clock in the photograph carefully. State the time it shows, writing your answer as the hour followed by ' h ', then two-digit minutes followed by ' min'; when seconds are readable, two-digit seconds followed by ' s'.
2 h 23 min 15 s
